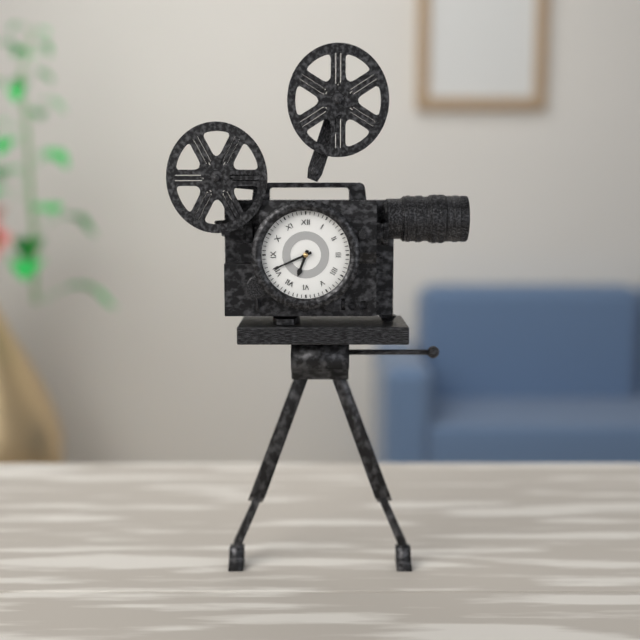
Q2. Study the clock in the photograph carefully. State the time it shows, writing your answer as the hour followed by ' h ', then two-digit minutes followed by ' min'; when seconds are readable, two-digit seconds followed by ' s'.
6 h 41 min
